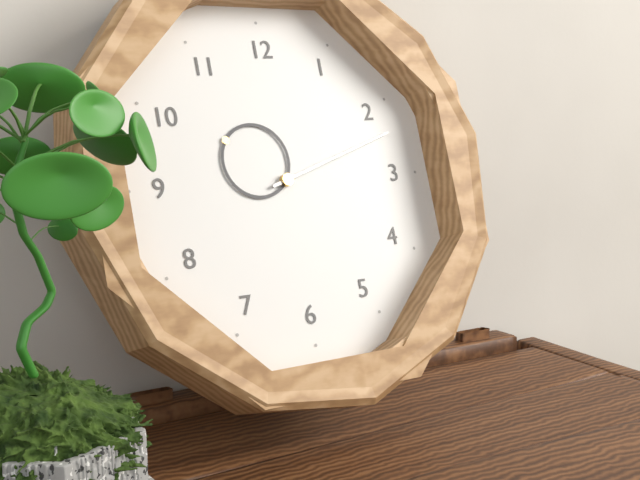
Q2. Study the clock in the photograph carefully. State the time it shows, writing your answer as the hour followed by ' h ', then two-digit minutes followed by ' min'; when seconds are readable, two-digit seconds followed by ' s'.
10 h 12 min
